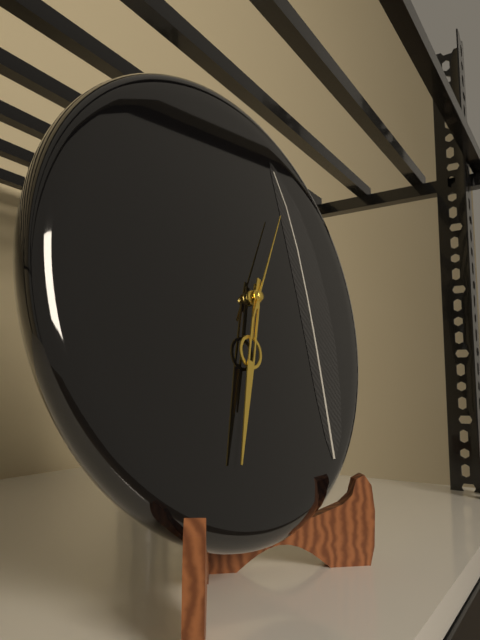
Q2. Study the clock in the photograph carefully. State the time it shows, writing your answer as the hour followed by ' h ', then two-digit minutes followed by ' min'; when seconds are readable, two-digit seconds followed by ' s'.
6 h 33 min 05 s
